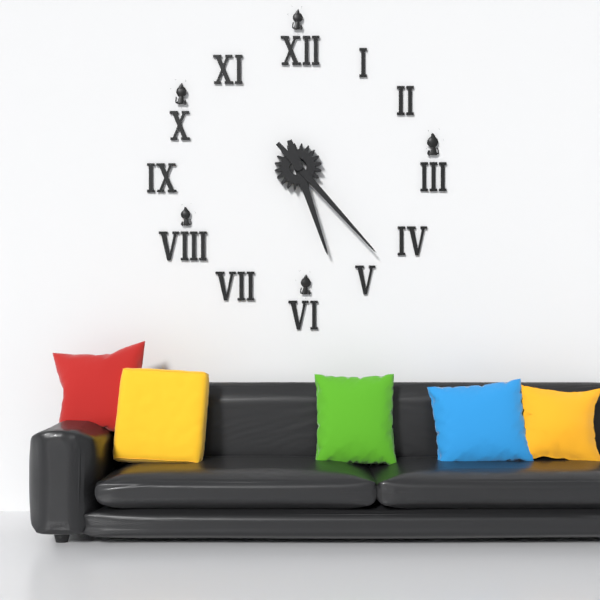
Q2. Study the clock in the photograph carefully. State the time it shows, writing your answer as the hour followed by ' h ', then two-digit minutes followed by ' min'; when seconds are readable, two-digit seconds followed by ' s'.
5 h 23 min
